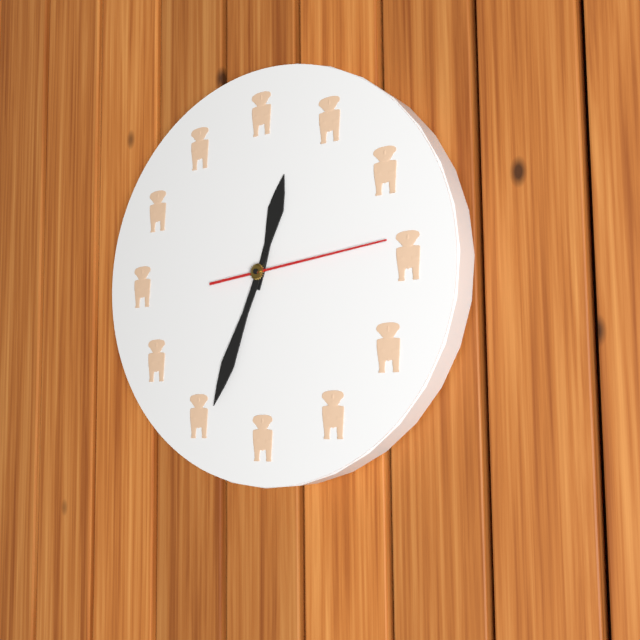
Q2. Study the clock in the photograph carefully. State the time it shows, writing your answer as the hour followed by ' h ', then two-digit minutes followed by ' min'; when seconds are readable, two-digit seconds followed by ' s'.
12 h 34 min 14 s
